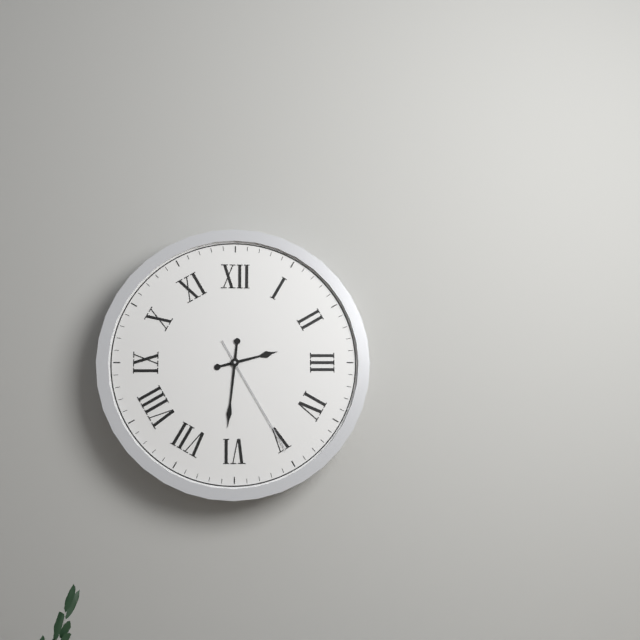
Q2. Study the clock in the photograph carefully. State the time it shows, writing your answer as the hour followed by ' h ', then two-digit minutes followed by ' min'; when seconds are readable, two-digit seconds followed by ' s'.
2 h 31 min 25 s
